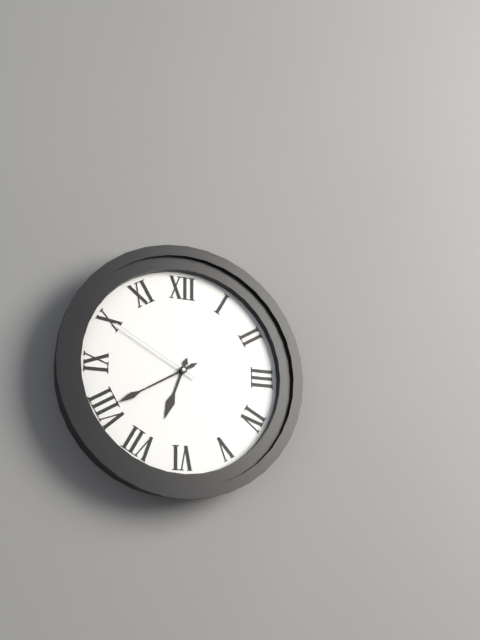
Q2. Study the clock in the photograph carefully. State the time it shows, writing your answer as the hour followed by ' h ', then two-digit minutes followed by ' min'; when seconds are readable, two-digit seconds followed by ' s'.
6 h 40 min 50 s
